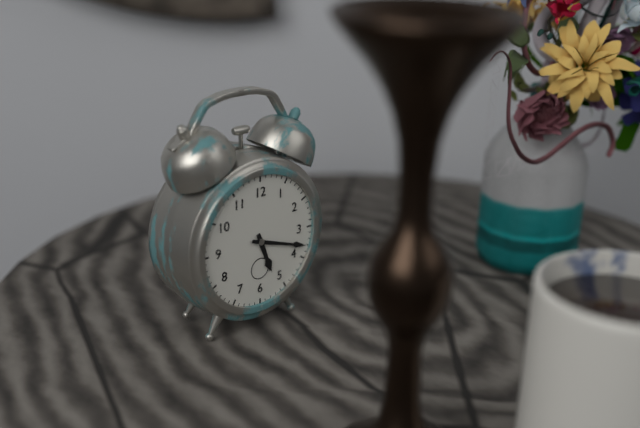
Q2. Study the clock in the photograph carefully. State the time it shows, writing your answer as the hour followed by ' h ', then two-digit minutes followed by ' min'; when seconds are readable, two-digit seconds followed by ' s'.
5 h 18 min
